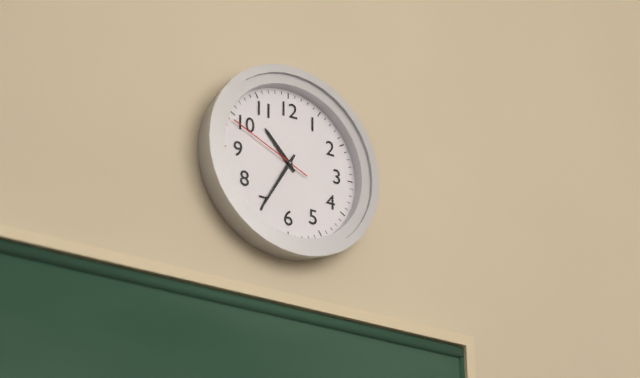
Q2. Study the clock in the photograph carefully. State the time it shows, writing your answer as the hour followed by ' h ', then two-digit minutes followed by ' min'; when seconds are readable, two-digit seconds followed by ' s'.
10 h 35 min 49 s
